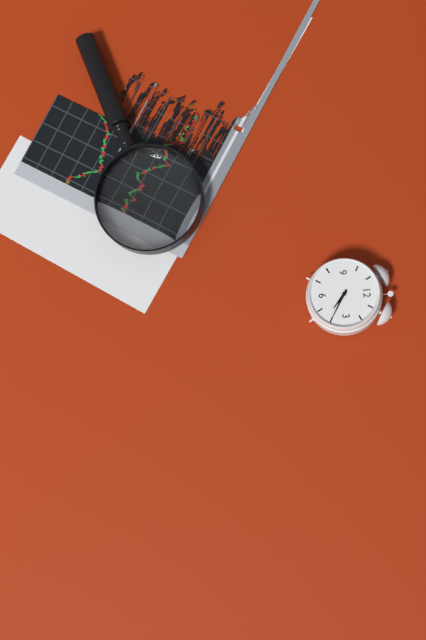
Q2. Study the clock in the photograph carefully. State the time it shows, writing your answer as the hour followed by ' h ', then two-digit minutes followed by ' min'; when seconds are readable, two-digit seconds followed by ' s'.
4 h 20 min
